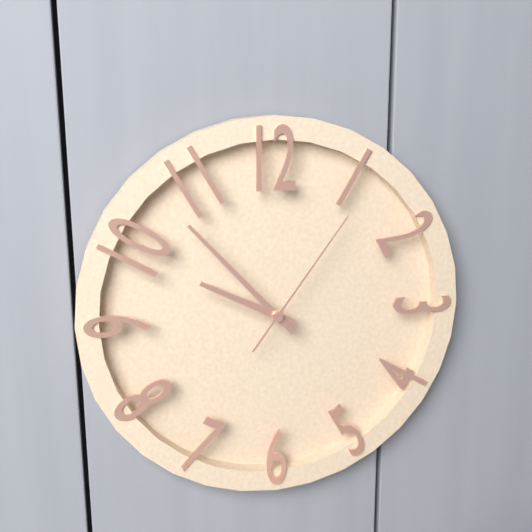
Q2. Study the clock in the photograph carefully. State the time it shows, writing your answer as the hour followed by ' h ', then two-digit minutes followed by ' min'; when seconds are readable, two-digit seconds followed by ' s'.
9 h 53 min 06 s
